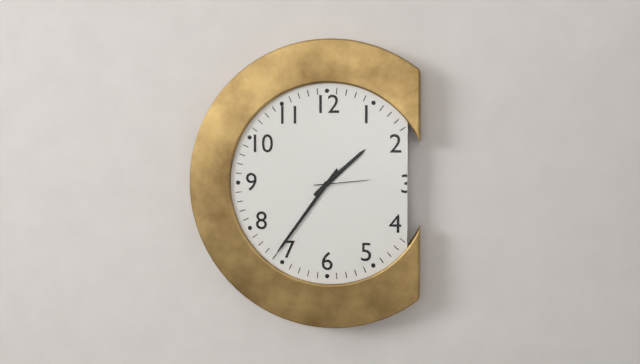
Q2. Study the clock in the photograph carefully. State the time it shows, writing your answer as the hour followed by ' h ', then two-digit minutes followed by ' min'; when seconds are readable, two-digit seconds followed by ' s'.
1 h 36 min 14 s
